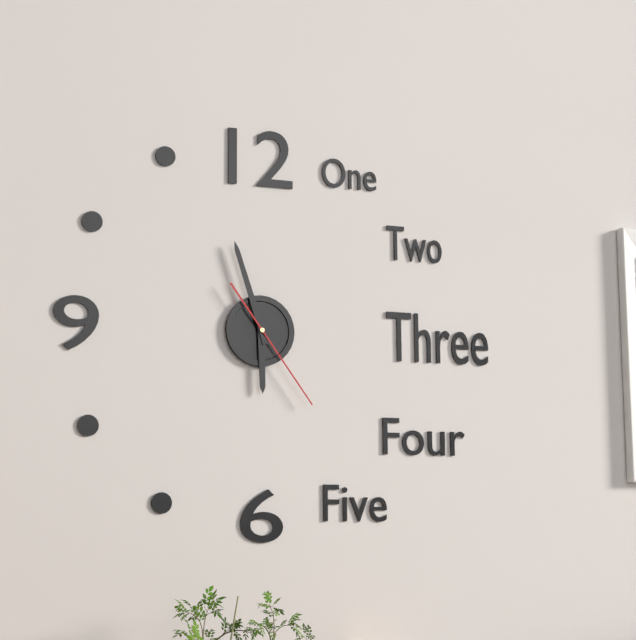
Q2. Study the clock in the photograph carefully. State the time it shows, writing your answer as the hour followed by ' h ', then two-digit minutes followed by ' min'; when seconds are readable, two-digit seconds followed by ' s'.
5 h 57 min 24 s
